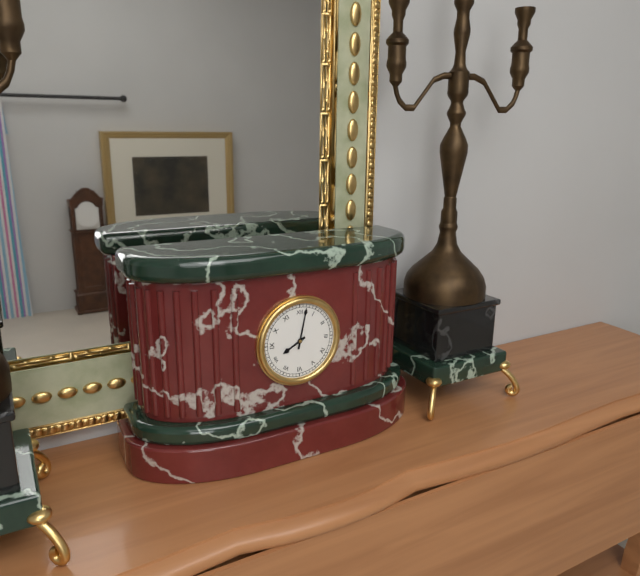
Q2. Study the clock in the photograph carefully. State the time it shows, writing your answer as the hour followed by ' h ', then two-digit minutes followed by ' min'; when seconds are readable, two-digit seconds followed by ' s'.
8 h 02 min
